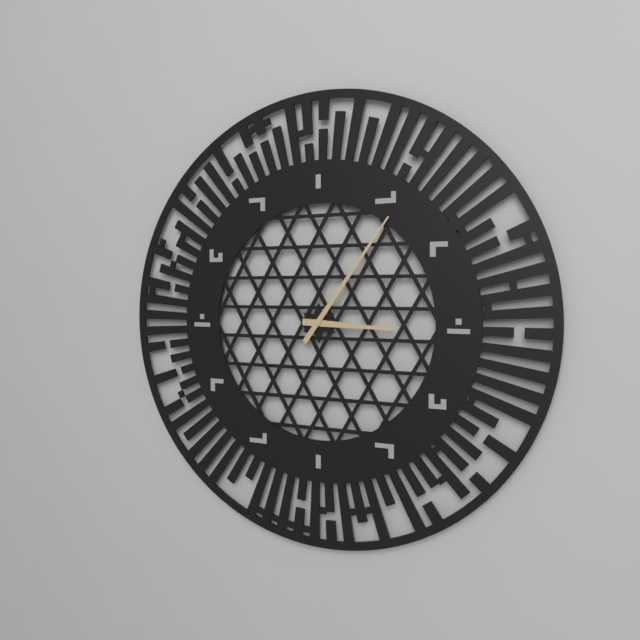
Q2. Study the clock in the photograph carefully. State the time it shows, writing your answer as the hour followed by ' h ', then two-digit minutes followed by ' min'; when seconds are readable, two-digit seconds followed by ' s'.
3 h 06 min
